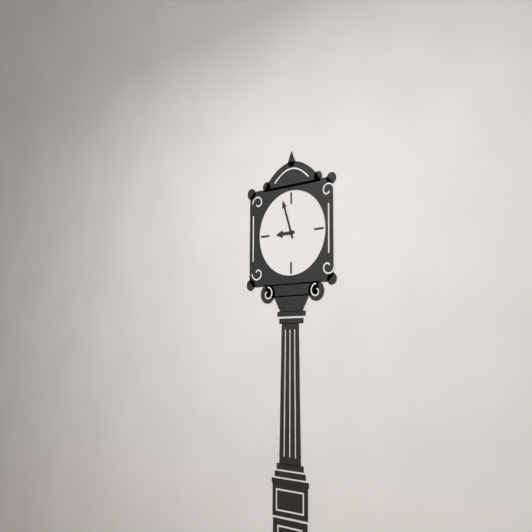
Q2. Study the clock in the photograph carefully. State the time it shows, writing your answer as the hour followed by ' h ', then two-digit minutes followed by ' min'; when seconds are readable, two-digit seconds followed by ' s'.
8 h 57 min
